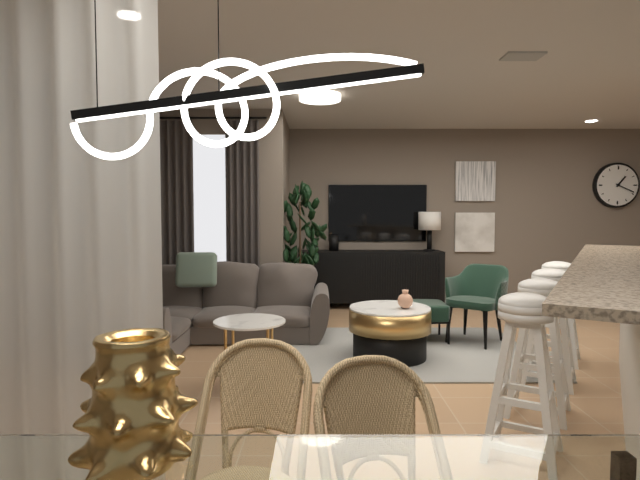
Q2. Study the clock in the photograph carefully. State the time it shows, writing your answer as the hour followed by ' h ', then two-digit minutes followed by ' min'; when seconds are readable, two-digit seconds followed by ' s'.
1 h 19 min
